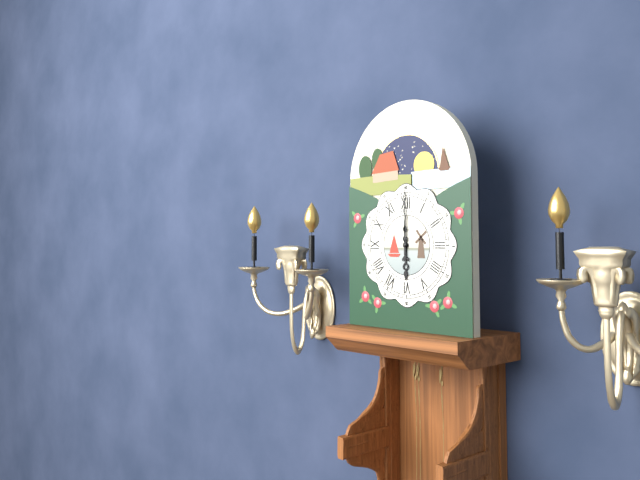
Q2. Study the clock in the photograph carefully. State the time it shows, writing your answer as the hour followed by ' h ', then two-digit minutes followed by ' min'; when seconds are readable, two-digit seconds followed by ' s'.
6 h 00 min
